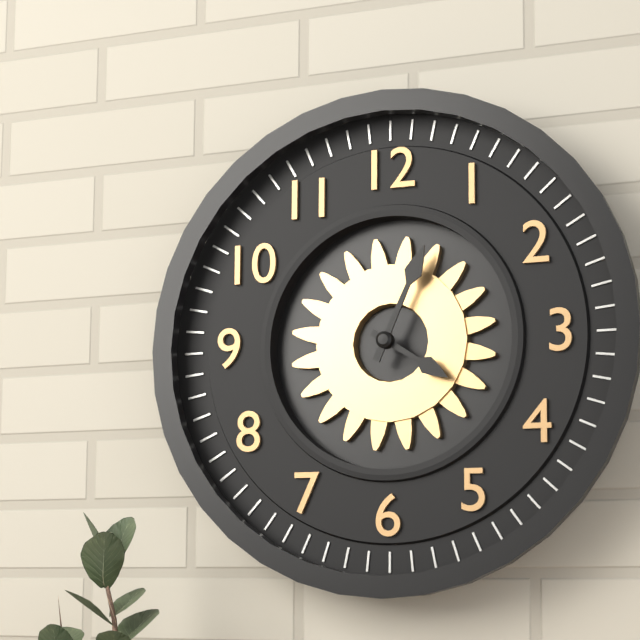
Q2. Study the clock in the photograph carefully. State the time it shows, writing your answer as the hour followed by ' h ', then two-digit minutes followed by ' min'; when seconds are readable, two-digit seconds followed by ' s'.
4 h 04 min
